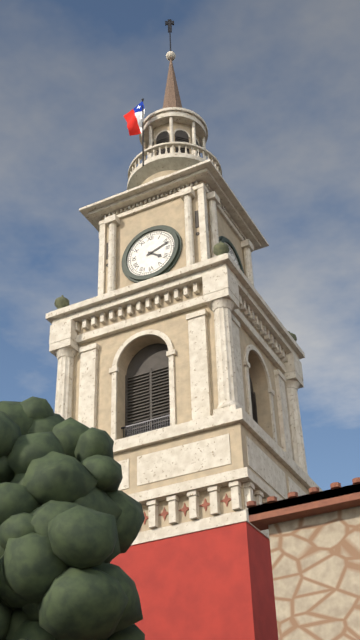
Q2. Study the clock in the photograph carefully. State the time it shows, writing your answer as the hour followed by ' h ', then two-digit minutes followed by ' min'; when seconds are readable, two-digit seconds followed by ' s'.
4 h 12 min
